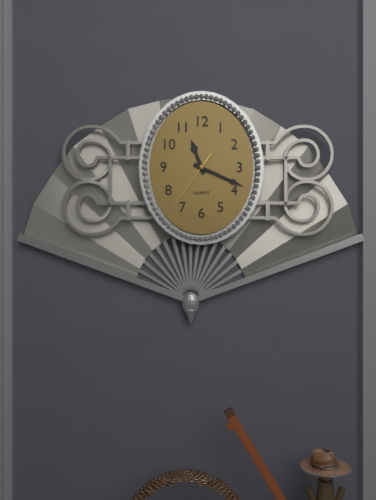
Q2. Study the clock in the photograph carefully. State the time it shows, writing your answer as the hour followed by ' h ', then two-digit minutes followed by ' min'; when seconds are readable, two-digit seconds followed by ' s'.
11 h 19 min 36 s
